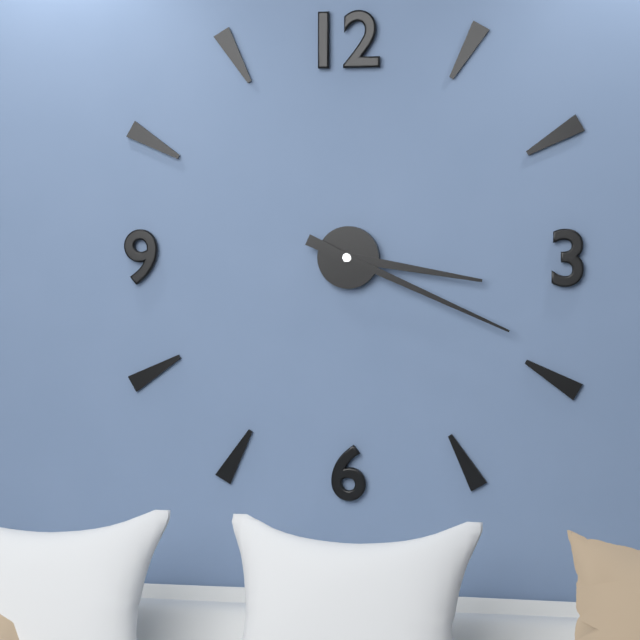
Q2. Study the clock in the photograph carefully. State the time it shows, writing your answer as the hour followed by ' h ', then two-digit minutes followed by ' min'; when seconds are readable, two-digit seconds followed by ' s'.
3 h 19 min
